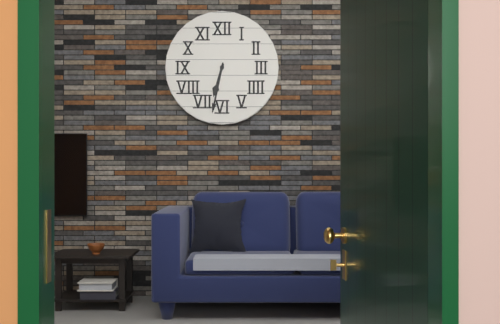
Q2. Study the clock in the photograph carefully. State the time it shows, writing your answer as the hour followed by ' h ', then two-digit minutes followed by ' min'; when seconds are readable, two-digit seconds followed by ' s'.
6 h 32 min
